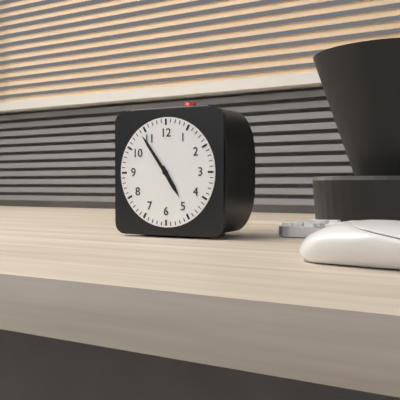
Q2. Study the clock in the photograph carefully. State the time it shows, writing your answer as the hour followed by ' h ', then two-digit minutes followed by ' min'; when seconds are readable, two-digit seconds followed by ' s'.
4 h 54 min
